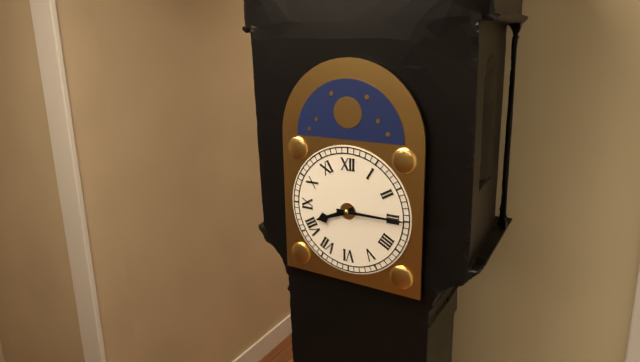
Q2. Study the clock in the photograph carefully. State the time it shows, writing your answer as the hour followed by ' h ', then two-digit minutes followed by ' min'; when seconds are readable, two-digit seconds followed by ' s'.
8 h 15 min
